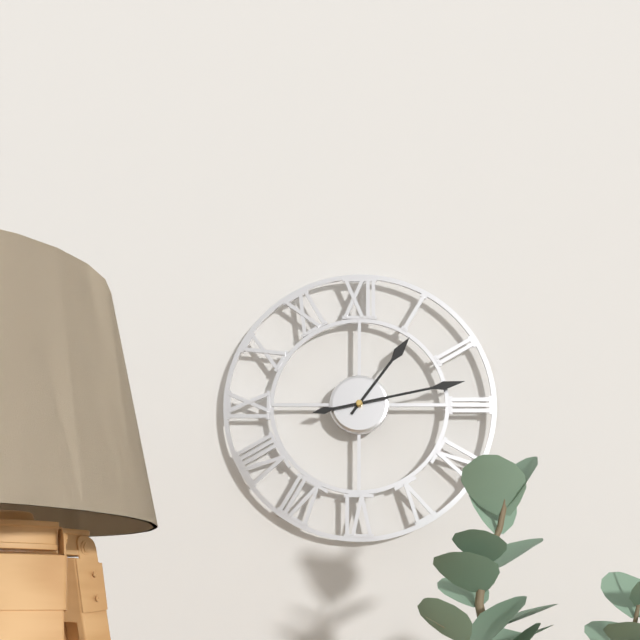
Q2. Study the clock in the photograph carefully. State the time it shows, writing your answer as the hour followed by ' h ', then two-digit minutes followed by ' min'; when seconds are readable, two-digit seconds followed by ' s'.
1 h 13 min
